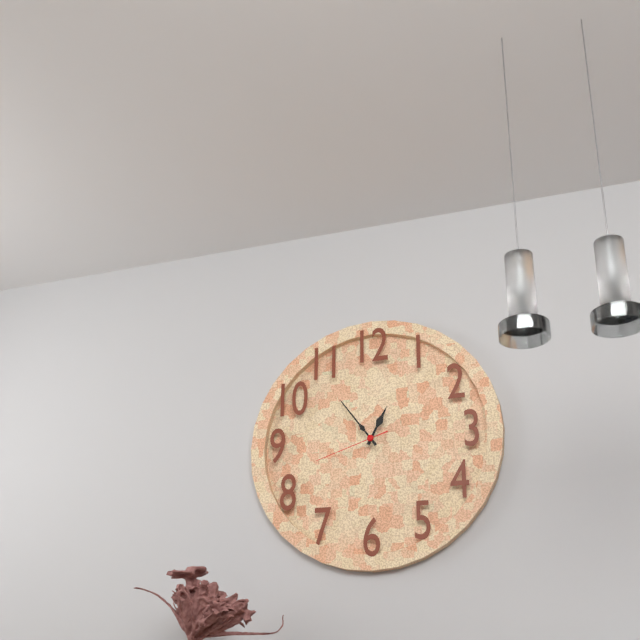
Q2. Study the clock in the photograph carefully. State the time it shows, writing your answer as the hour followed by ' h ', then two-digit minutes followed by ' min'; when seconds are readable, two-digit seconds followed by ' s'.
12 h 54 min 42 s
